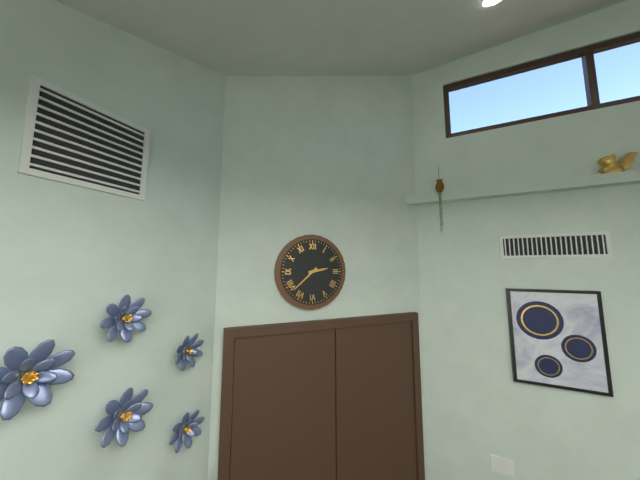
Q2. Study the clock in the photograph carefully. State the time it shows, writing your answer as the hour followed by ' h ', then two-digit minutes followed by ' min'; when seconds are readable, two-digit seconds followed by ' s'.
2 h 38 min
